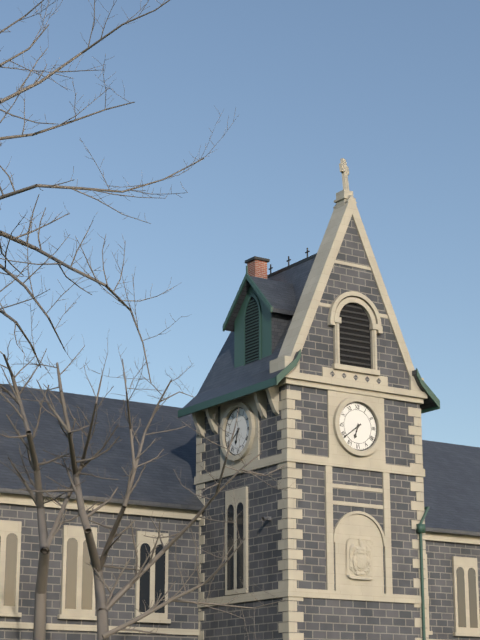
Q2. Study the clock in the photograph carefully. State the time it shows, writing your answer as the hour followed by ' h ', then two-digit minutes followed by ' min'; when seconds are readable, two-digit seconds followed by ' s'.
6 h 39 min
